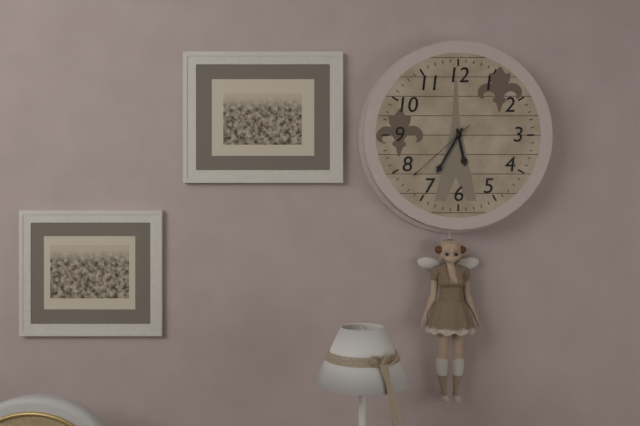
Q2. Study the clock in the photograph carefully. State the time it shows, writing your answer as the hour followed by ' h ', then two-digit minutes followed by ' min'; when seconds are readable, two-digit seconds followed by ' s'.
5 h 35 min 38 s
